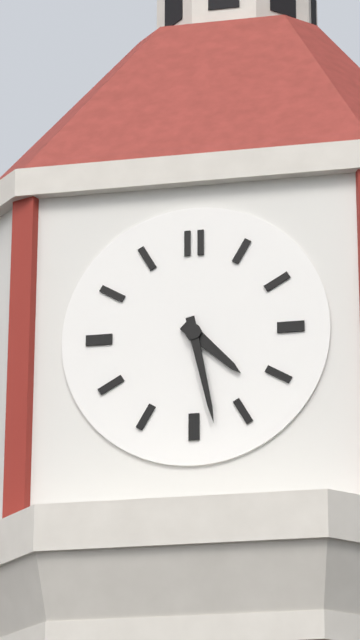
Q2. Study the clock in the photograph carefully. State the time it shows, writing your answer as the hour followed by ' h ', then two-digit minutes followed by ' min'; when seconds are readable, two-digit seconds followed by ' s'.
4 h 28 min
